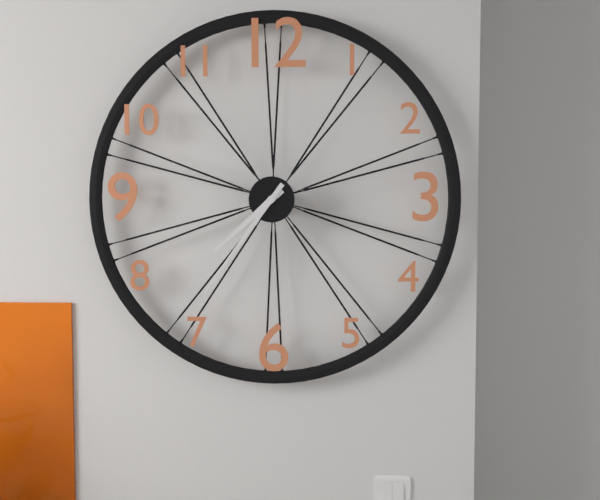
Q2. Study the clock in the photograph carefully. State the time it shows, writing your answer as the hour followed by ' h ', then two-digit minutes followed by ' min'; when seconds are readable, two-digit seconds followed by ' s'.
7 h 36 min
